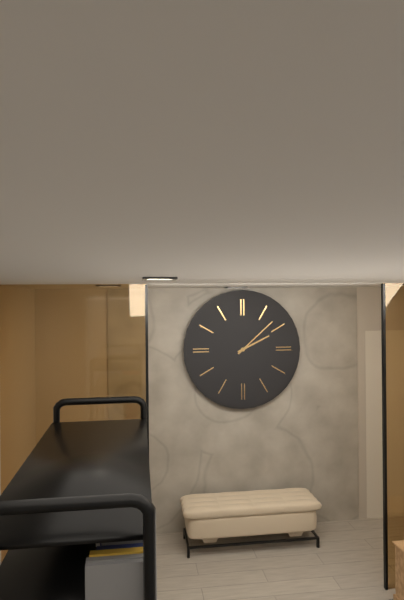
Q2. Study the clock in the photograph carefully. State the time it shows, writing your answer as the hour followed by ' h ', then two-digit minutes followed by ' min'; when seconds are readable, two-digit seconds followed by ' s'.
2 h 08 min
